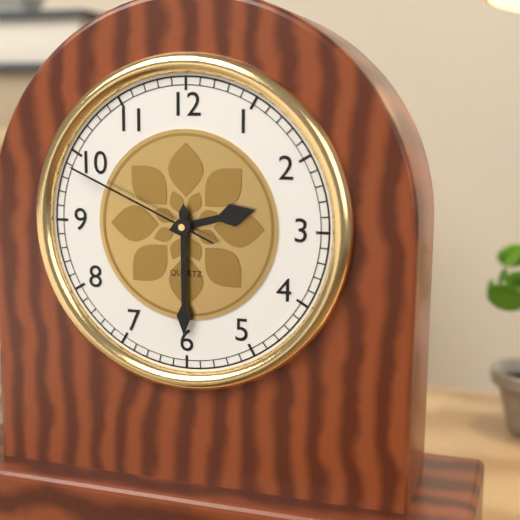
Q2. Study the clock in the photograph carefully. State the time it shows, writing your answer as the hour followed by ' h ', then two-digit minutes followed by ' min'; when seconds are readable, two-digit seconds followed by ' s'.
2 h 30 min 49 s
